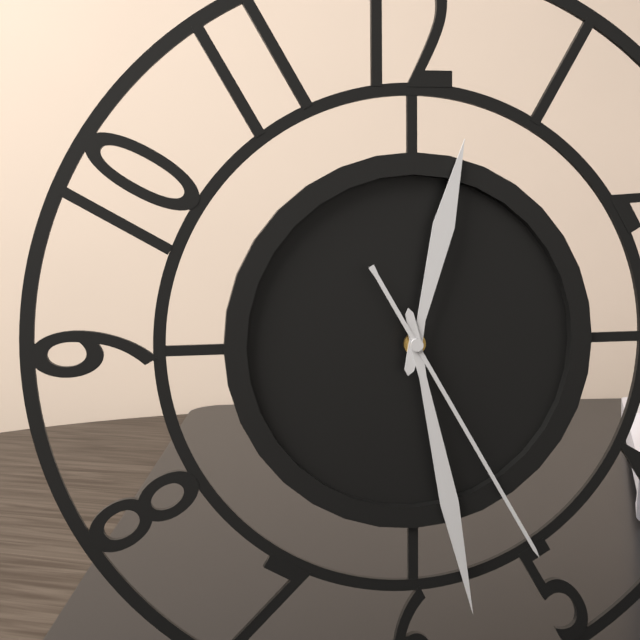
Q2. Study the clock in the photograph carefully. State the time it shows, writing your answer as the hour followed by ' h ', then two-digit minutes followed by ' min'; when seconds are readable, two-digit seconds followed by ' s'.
12 h 28 min 25 s
